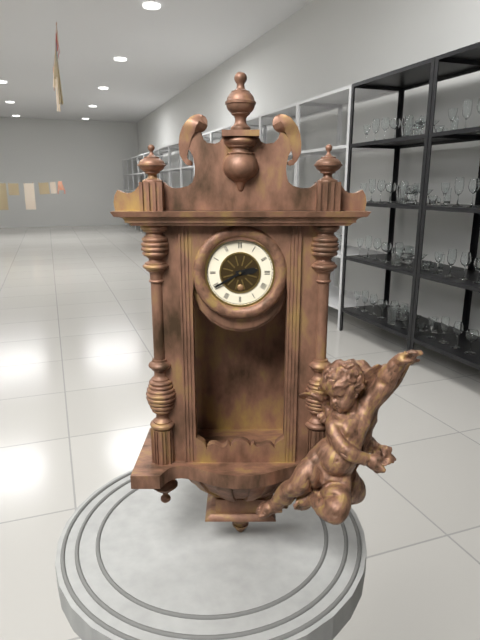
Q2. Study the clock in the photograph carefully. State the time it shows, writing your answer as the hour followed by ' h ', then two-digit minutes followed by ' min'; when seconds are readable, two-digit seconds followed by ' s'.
2 h 40 min
